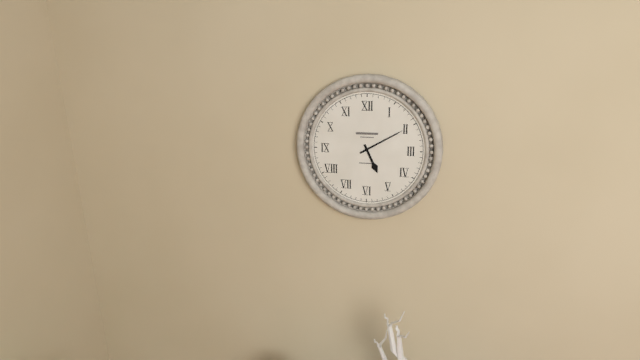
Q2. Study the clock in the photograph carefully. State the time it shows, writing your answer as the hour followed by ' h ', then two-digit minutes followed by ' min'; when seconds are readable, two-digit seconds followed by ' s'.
5 h 10 min
